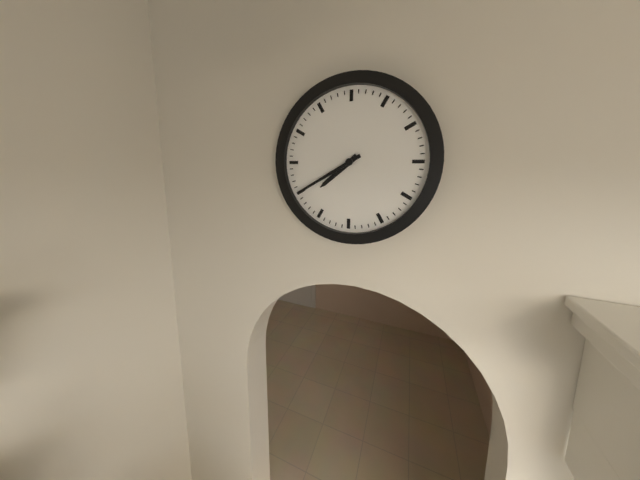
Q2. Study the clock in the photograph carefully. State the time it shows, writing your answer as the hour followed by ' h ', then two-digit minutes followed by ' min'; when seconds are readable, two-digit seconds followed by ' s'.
7 h 40 min
